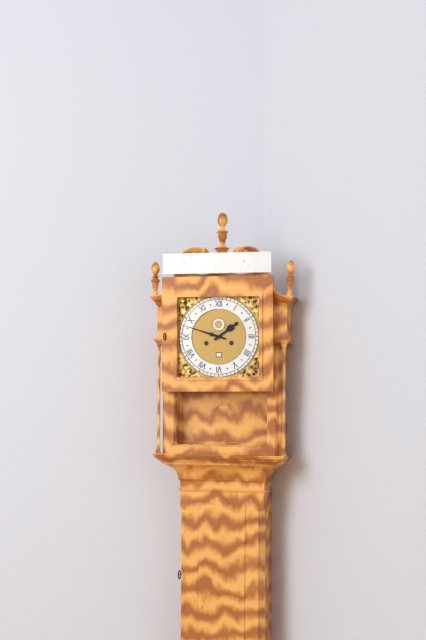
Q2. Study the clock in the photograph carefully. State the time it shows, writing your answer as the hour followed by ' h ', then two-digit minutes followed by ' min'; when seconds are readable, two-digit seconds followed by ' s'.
1 h 48 min
